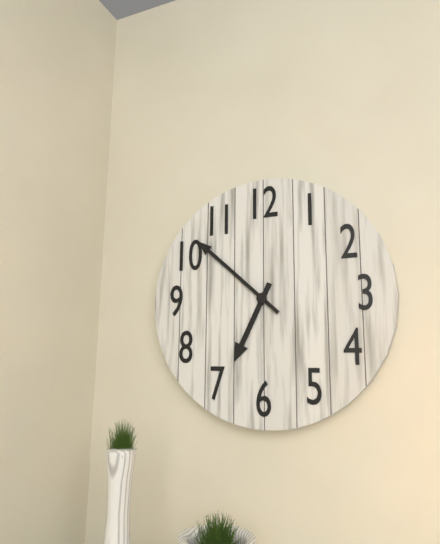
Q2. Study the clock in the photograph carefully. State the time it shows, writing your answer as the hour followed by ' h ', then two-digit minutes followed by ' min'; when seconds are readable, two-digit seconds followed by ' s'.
6 h 52 min
